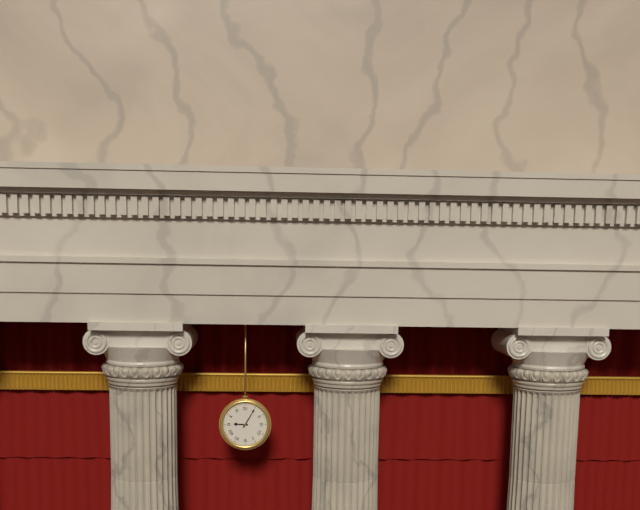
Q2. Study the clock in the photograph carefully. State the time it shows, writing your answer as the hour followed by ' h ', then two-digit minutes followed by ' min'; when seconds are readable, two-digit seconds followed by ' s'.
9 h 05 min
